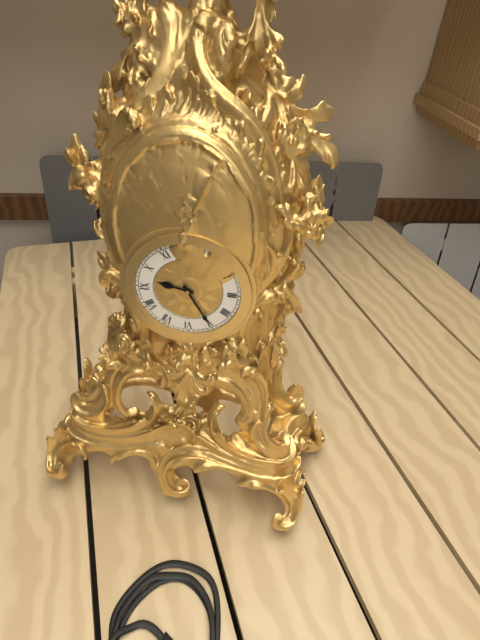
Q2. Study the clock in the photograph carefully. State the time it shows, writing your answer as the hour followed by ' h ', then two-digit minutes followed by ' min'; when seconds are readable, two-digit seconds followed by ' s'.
9 h 25 min
